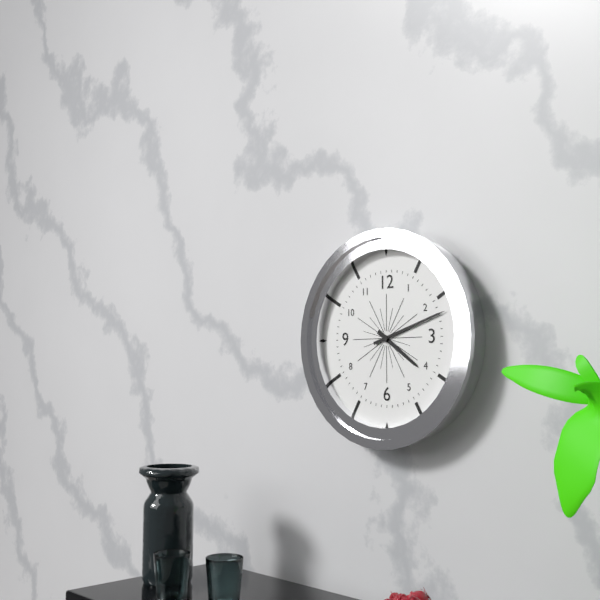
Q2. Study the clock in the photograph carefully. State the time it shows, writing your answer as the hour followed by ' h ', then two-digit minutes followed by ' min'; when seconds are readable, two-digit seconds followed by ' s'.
4 h 12 min
